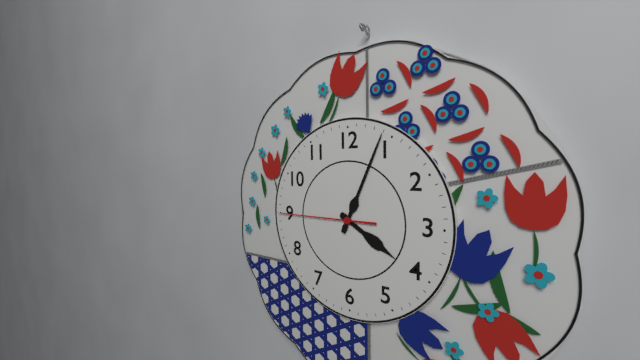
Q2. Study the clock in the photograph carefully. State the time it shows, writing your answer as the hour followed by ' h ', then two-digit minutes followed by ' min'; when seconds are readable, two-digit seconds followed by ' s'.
4 h 04 min 45 s
